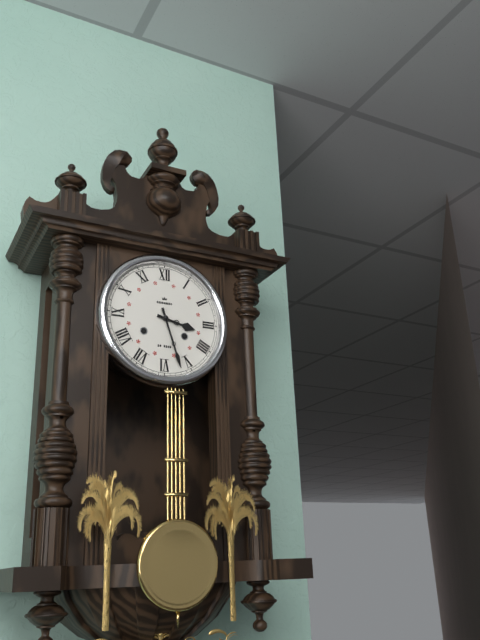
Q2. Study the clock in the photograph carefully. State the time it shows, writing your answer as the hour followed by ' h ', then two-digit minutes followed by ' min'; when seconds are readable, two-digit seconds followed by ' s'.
3 h 27 min
